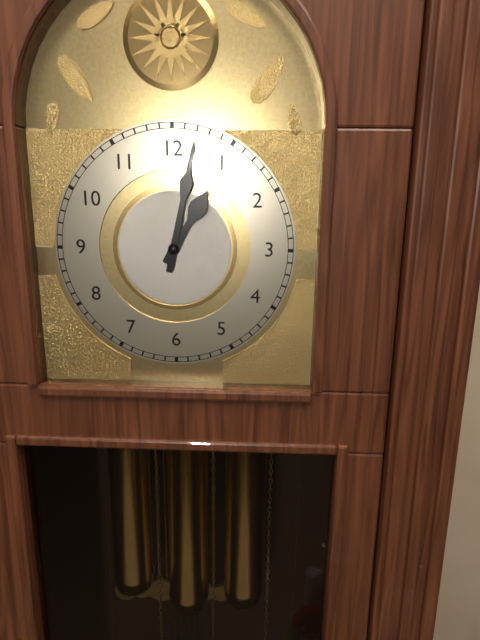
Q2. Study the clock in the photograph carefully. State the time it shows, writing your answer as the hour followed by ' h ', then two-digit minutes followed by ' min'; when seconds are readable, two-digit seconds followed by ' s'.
1 h 02 min
